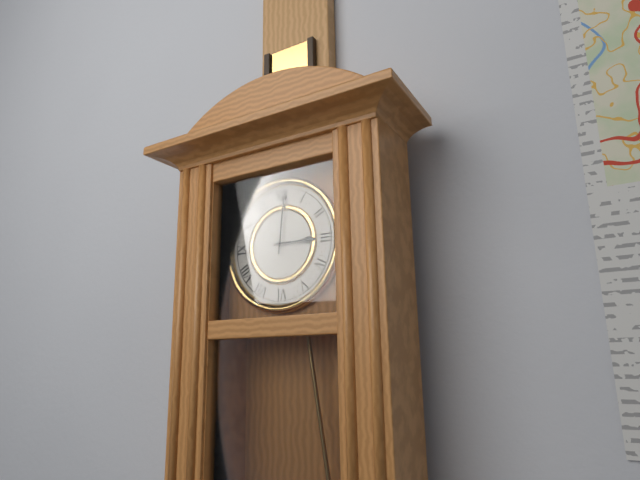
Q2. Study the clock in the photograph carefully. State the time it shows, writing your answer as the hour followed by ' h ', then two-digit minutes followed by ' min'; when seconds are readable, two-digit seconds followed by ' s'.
3 h 01 min
